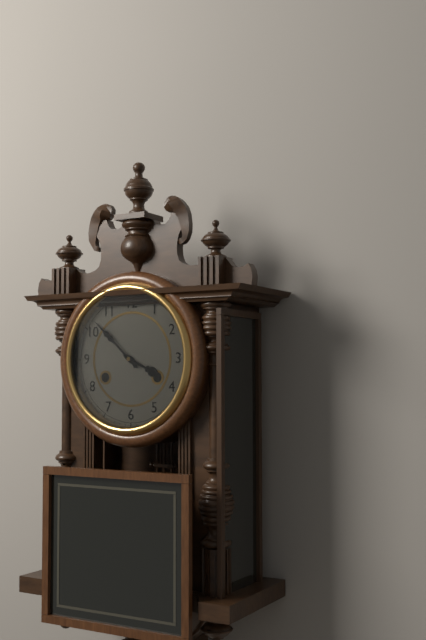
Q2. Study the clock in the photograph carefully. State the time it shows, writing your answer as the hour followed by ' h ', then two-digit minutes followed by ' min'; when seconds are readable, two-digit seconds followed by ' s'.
3 h 52 min
